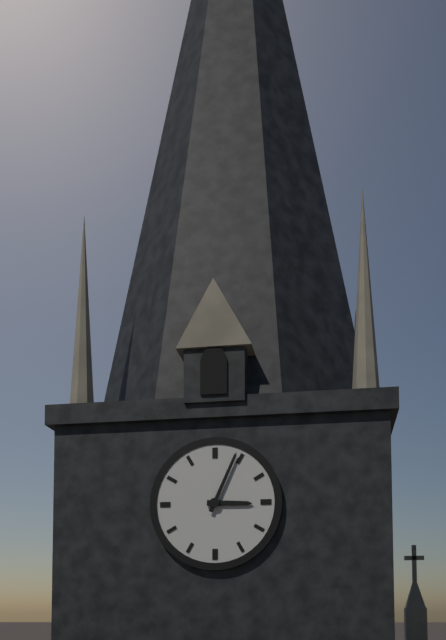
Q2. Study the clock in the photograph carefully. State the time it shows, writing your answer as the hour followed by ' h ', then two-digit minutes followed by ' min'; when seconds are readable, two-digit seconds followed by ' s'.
3 h 04 min
